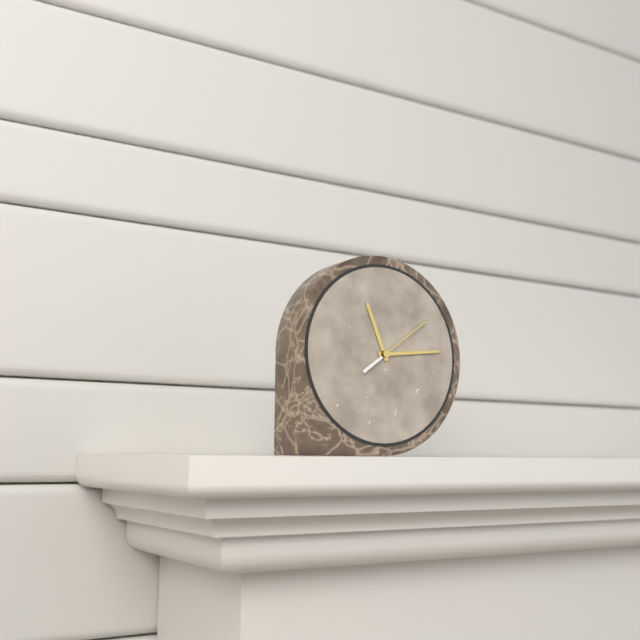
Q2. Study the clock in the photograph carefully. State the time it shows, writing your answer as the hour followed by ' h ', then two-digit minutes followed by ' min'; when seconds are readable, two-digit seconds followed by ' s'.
11 h 14 min 09 s
